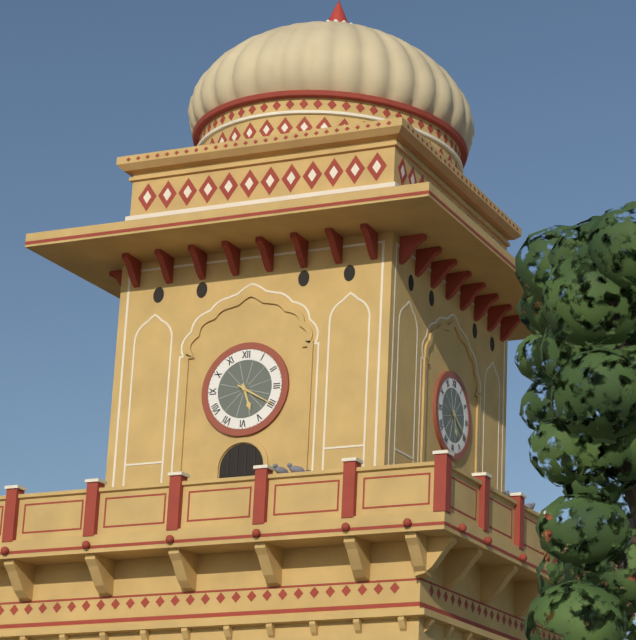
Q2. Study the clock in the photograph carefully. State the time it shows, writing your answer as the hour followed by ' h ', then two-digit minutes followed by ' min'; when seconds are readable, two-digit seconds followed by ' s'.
5 h 20 min
